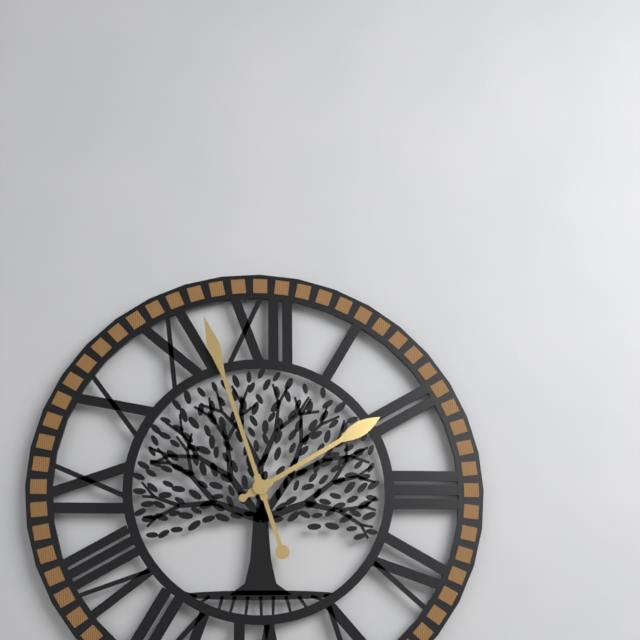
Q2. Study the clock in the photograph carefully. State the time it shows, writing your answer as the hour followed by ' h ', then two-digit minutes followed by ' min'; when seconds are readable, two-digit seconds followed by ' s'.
1 h 57 min
